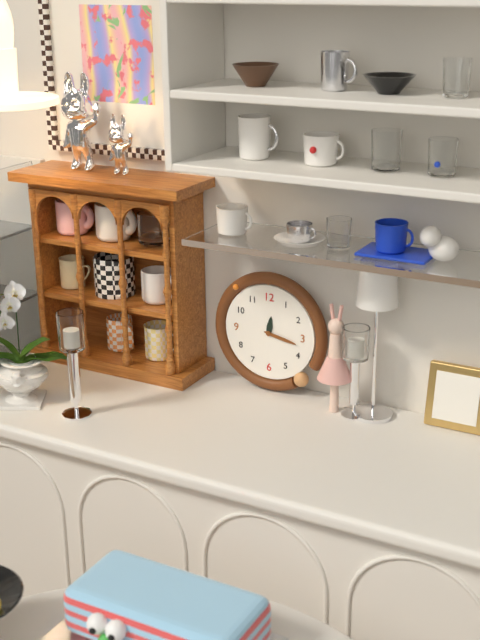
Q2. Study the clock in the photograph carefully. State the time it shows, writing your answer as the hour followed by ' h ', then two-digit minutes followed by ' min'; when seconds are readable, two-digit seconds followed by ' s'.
12 h 17 min
